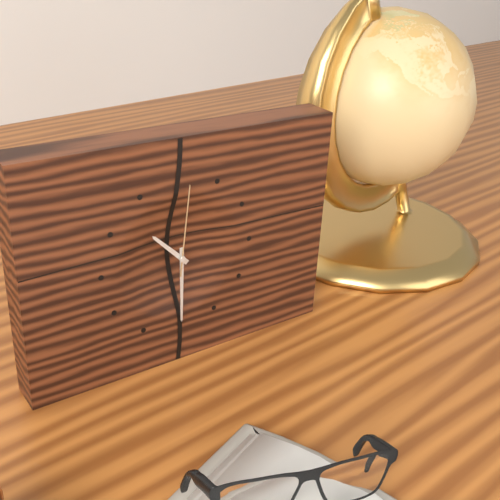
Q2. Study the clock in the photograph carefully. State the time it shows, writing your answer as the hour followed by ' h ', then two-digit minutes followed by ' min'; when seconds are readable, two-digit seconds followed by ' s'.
10 h 30 min 01 s
